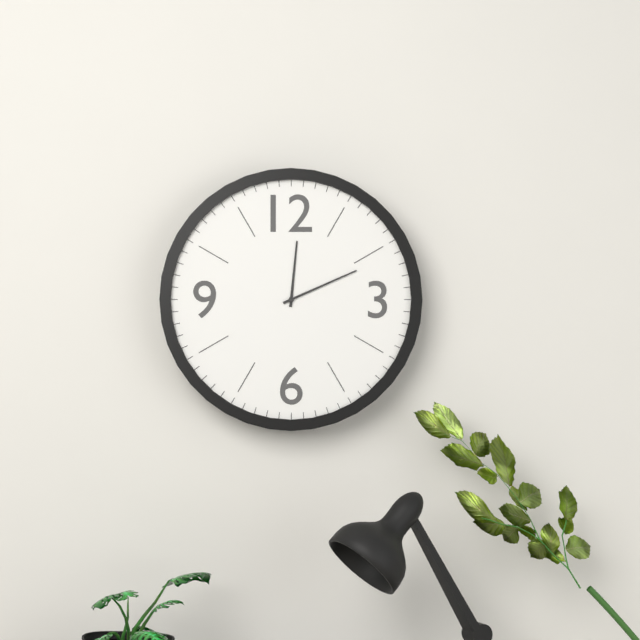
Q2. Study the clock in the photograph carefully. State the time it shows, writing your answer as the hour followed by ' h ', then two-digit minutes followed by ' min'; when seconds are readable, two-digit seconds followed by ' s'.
12 h 11 min
